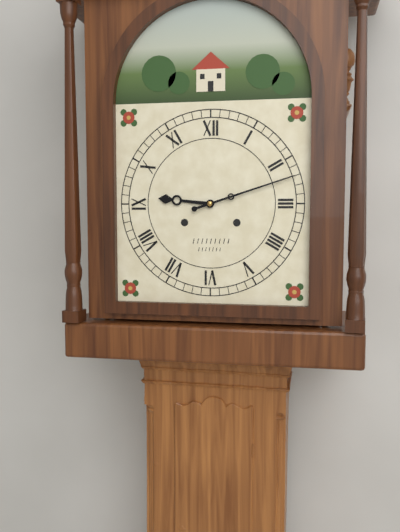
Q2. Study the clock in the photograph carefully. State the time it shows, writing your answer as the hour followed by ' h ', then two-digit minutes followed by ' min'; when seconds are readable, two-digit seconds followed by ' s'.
9 h 12 min
